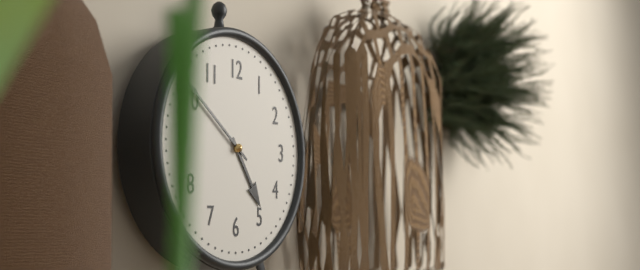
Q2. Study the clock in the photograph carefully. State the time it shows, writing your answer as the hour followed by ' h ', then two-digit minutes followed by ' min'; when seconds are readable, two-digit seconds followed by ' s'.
4 h 51 min
